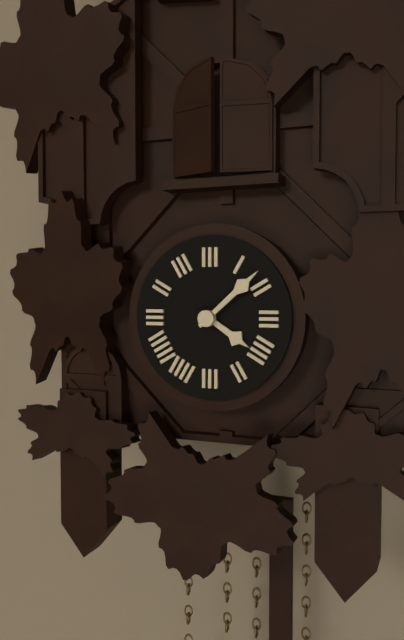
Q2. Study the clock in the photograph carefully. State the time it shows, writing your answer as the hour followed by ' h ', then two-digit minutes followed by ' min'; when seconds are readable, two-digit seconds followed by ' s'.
4 h 08 min
